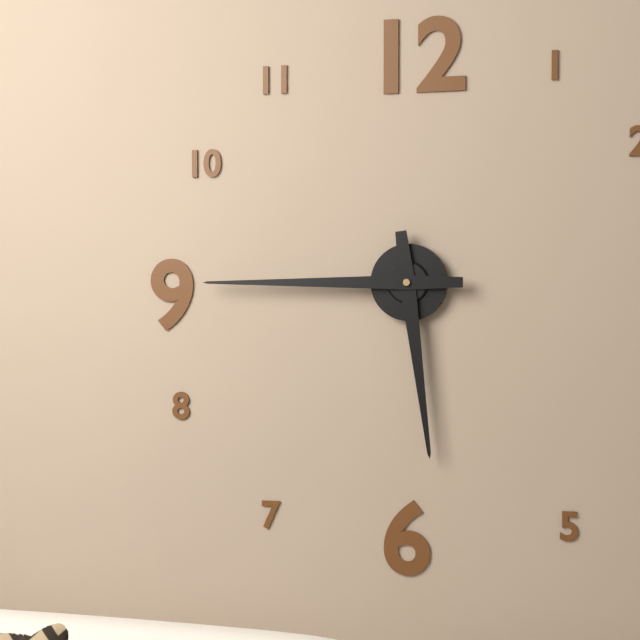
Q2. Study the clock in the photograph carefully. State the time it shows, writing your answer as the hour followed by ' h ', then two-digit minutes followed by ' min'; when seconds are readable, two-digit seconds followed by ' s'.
5 h 45 min
